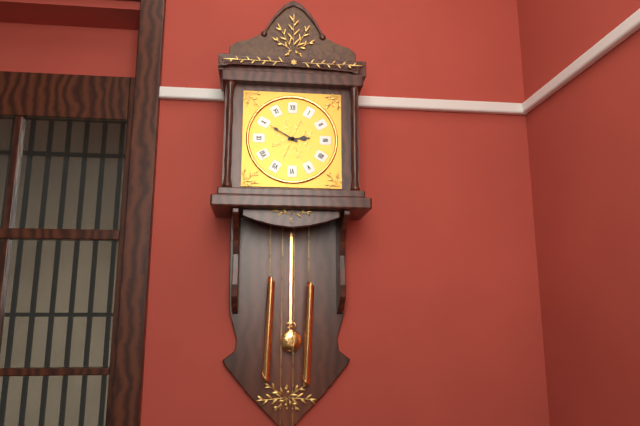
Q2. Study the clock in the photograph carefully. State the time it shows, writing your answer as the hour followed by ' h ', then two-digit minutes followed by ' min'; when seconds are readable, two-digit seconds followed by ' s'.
2 h 50 min
